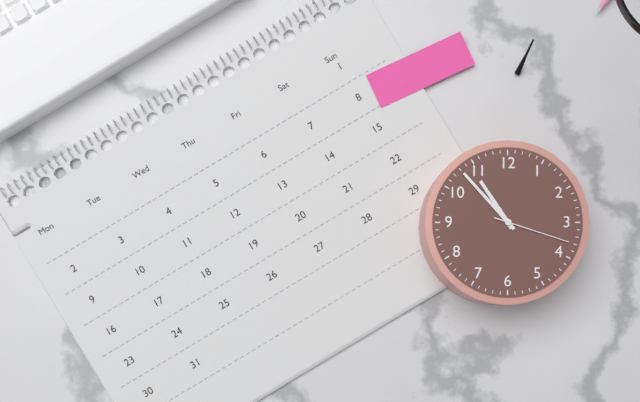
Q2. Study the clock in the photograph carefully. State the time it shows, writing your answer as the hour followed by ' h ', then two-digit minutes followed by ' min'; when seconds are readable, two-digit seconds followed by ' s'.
10 h 53 min 18 s
